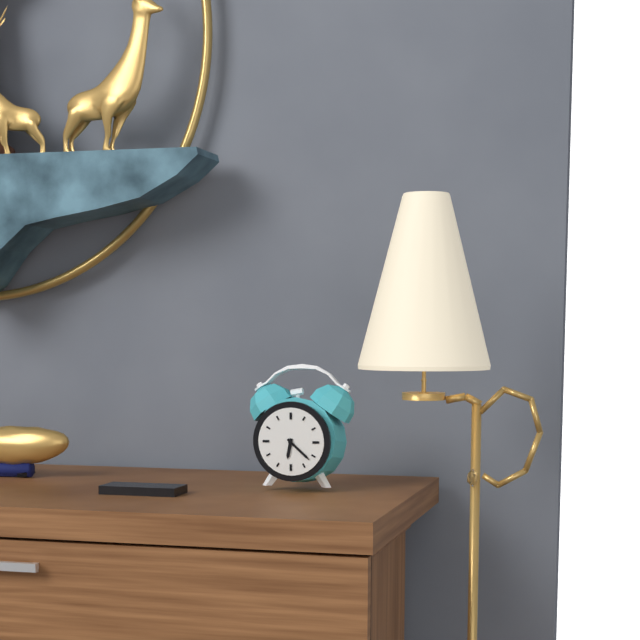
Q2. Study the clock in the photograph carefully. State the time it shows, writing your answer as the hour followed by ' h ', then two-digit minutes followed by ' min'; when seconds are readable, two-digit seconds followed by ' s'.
6 h 22 min
